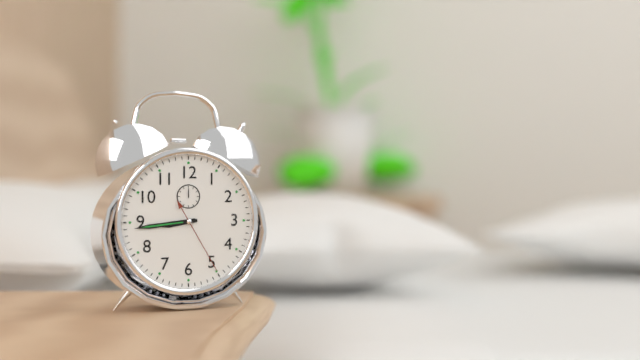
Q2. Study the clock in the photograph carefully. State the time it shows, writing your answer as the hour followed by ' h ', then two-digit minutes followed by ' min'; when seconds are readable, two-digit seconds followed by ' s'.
8 h 44 min 25 s
